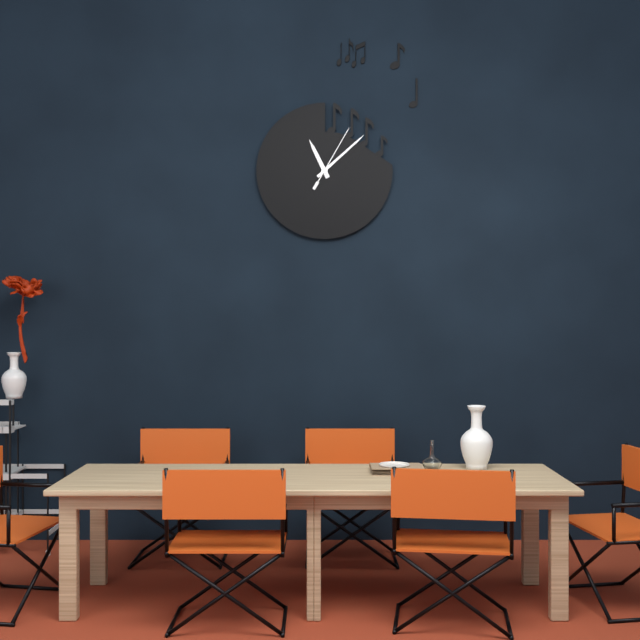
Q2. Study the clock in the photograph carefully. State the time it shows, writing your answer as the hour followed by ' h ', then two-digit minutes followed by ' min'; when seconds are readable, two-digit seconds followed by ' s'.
11 h 08 min 05 s
